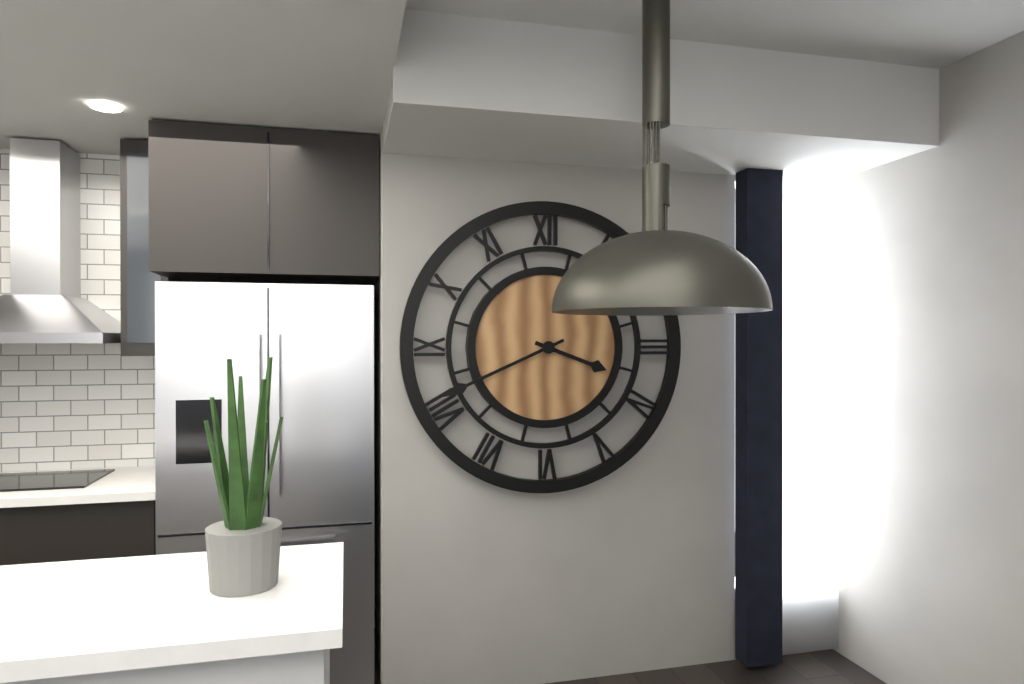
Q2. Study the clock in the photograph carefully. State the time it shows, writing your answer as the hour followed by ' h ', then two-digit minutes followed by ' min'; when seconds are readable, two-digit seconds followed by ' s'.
3 h 41 min
